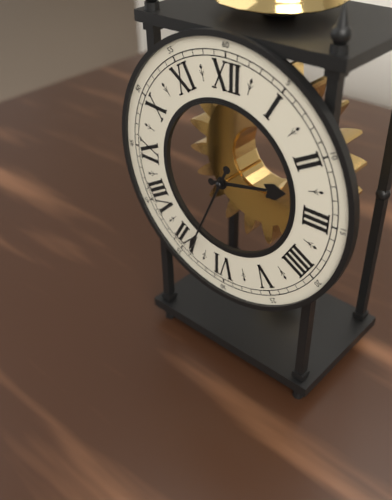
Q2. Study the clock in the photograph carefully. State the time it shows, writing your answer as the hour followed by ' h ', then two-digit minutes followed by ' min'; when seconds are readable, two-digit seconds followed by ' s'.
2 h 34 min
